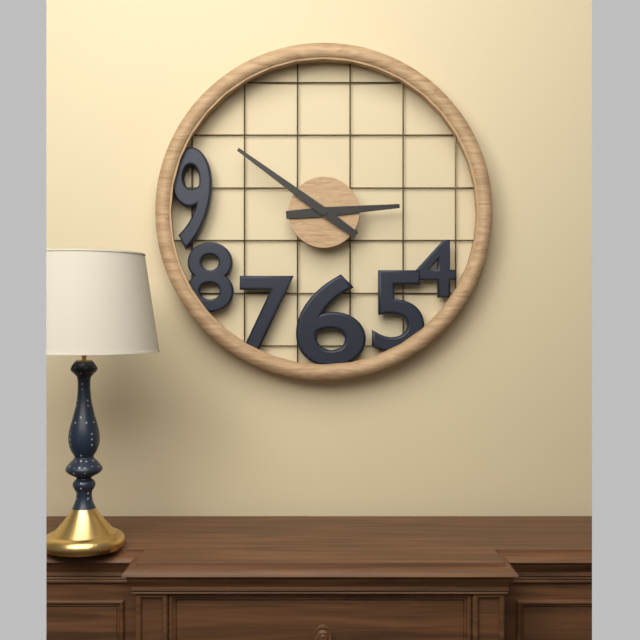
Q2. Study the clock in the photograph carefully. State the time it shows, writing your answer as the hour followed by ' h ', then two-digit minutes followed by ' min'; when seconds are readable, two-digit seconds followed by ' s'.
2 h 51 min
